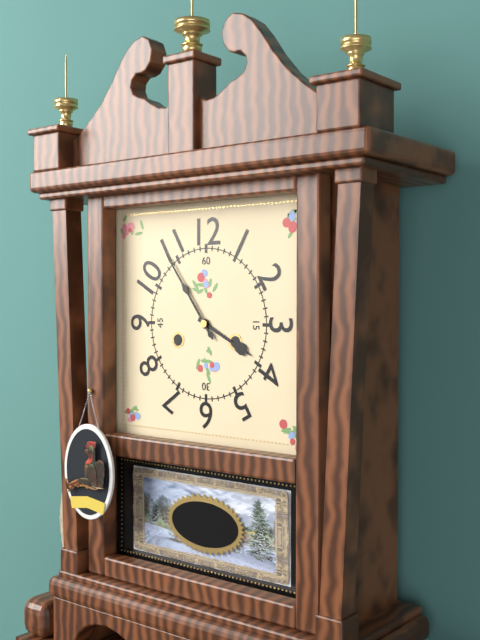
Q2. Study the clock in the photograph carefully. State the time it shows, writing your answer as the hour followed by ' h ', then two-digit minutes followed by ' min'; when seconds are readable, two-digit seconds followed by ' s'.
3 h 54 min
